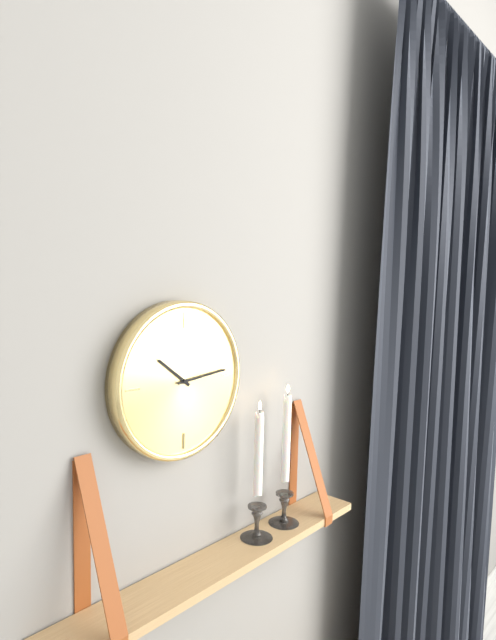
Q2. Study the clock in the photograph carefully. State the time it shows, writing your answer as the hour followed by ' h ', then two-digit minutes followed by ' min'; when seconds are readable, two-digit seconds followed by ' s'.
10 h 14 min
